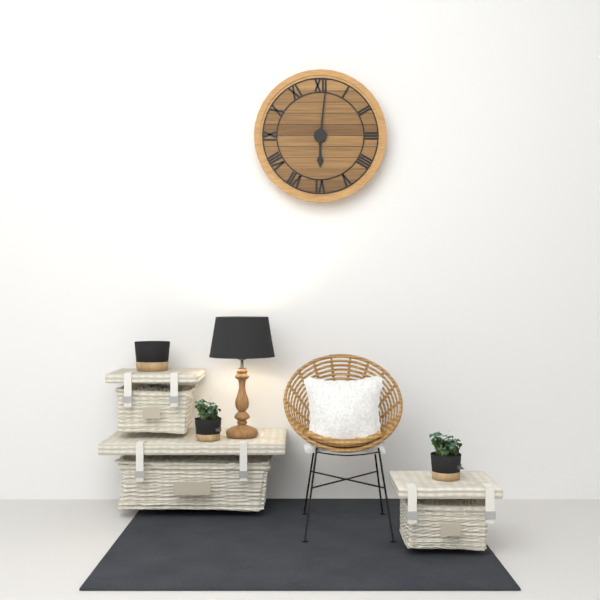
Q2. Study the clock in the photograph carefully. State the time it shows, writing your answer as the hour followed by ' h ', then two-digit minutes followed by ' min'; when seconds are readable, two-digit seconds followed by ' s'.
6 h 01 min
